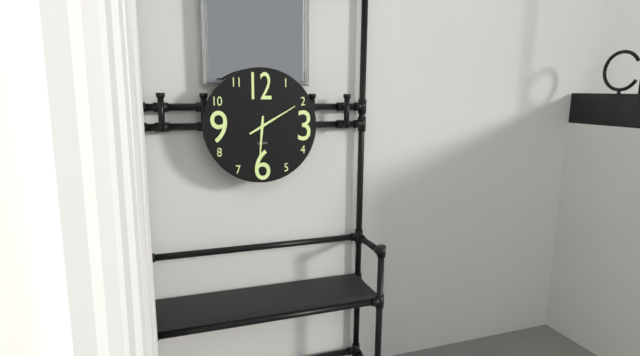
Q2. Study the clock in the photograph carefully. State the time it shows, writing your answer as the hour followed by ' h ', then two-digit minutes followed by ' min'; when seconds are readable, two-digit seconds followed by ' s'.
6 h 10 min
